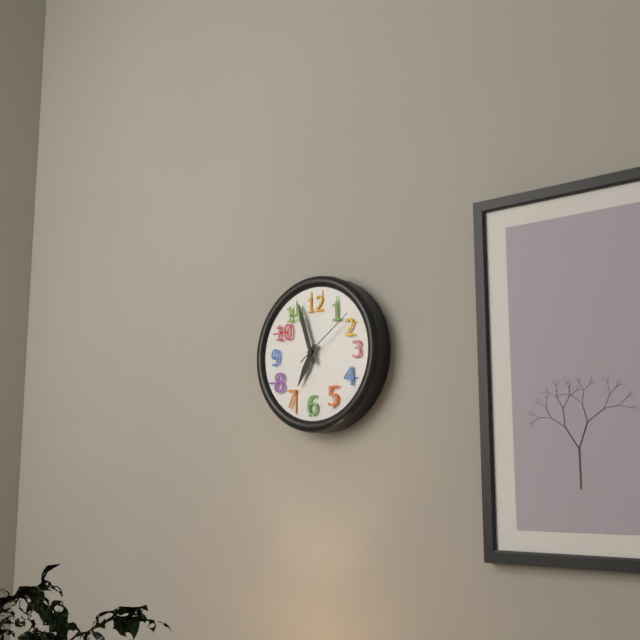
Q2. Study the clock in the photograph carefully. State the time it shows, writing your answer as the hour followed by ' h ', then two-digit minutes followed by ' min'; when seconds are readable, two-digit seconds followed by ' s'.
6 h 57 min 09 s
